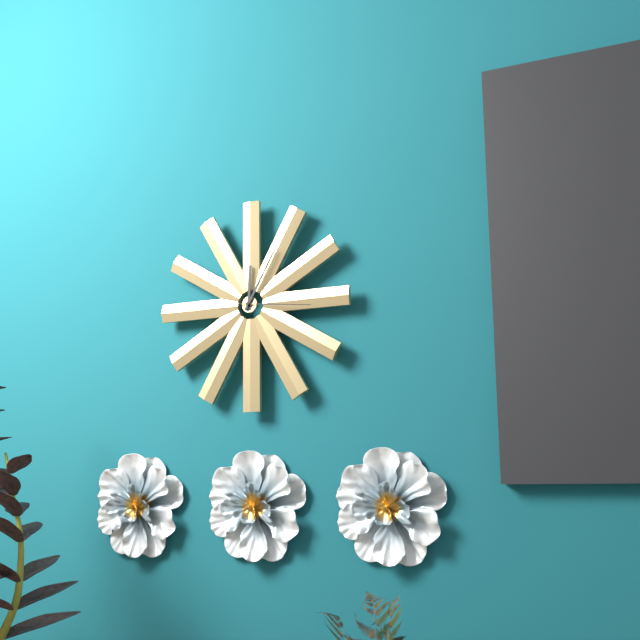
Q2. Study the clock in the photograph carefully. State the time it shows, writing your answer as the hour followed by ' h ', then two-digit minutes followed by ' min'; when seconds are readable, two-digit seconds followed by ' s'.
12 h 05 min 16 s
